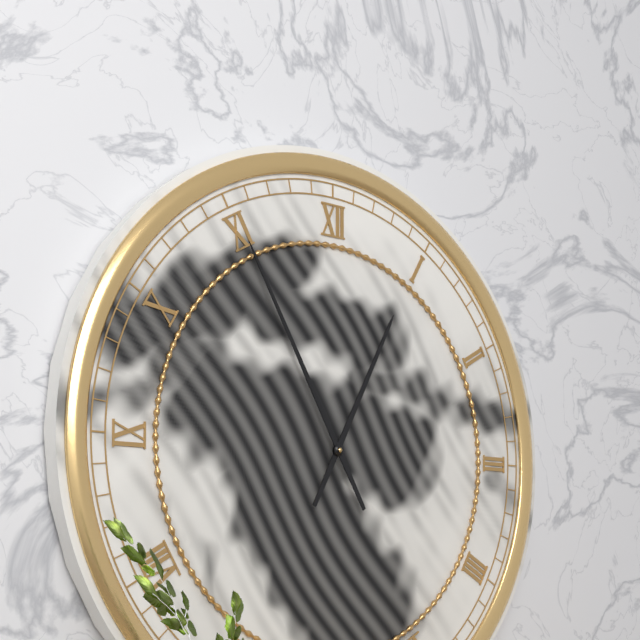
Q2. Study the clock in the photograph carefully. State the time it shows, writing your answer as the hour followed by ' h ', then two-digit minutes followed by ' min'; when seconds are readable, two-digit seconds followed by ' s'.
12 h 55 min
